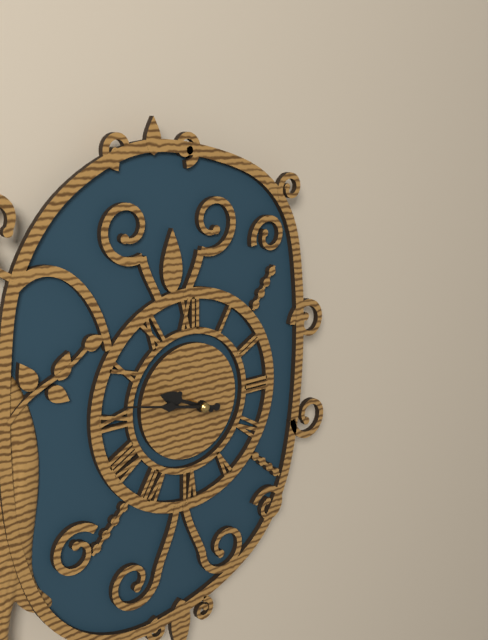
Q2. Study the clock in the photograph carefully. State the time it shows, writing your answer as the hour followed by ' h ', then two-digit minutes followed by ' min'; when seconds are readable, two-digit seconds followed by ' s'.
9 h 47 min
